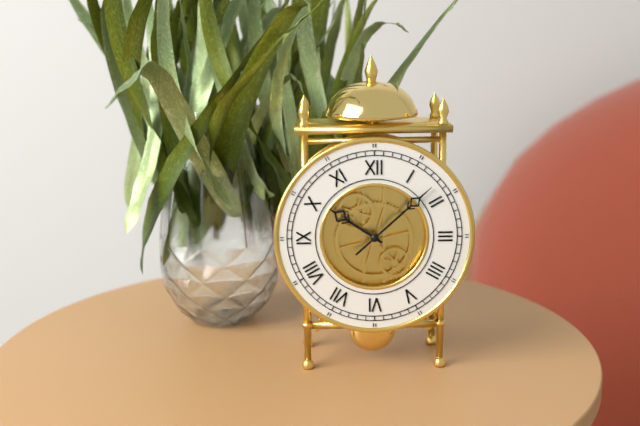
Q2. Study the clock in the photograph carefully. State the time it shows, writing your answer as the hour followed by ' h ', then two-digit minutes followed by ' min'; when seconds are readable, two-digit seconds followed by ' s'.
10 h 08 min
